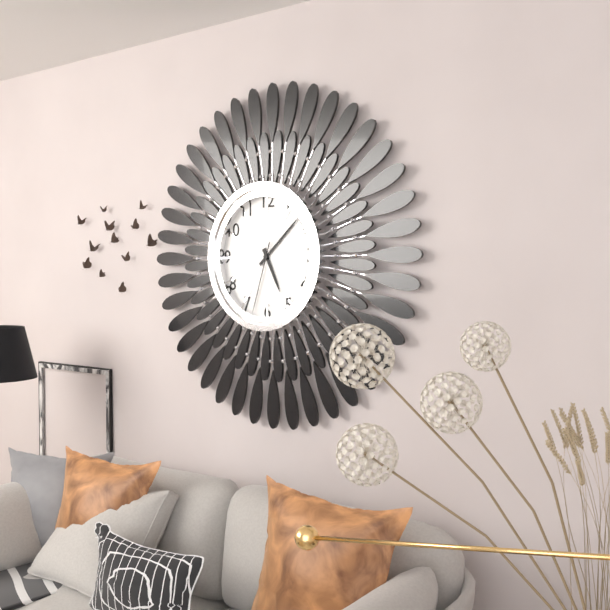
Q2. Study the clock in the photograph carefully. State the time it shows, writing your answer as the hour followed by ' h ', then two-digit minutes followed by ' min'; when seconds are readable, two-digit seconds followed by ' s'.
5 h 08 min 33 s
